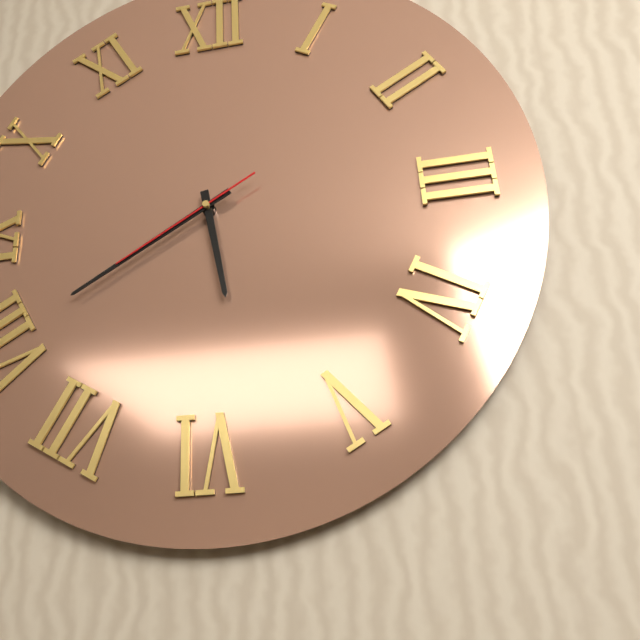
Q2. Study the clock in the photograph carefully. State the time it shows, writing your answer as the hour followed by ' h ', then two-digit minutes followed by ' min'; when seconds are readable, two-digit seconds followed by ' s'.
5 h 40 min 40 s
